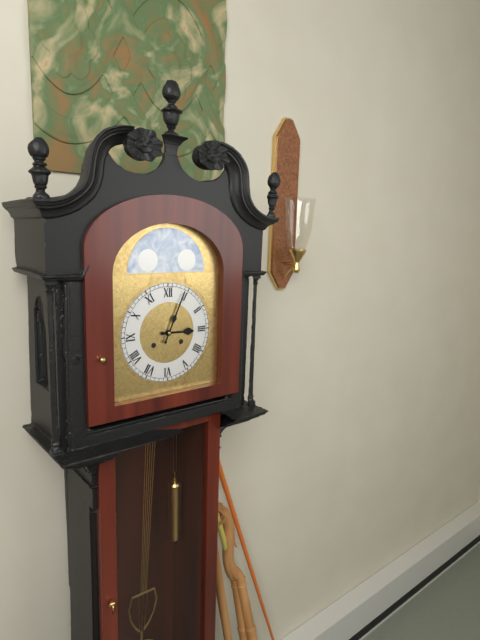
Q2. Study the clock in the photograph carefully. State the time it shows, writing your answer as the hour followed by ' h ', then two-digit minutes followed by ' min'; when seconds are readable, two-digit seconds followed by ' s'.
3 h 04 min
